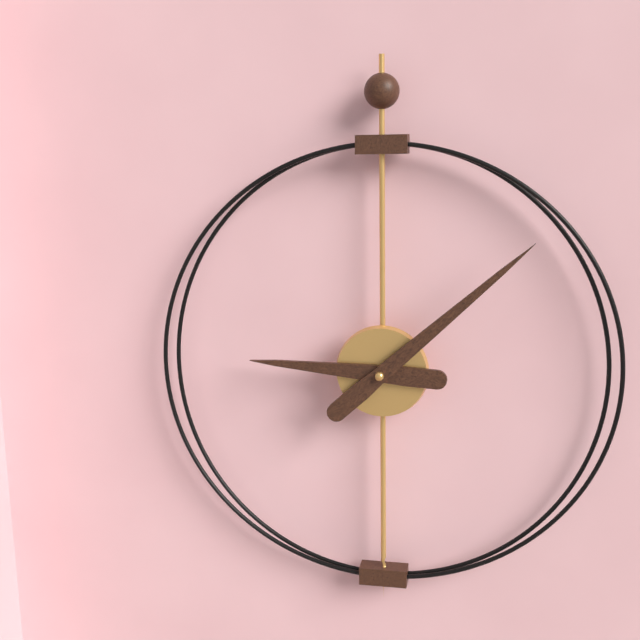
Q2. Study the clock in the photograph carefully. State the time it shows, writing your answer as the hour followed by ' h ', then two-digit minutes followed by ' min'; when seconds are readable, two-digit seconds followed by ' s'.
9 h 08 min
